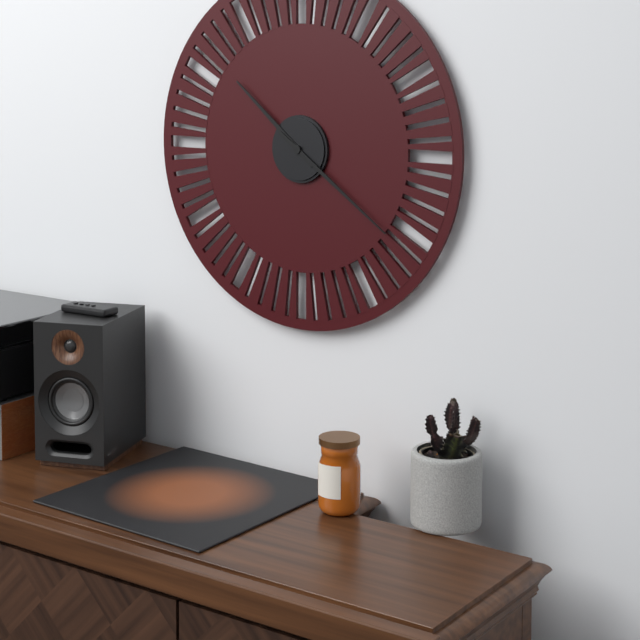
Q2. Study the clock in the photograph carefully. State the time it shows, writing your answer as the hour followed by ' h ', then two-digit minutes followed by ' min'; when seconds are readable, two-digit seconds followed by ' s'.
10 h 21 min
